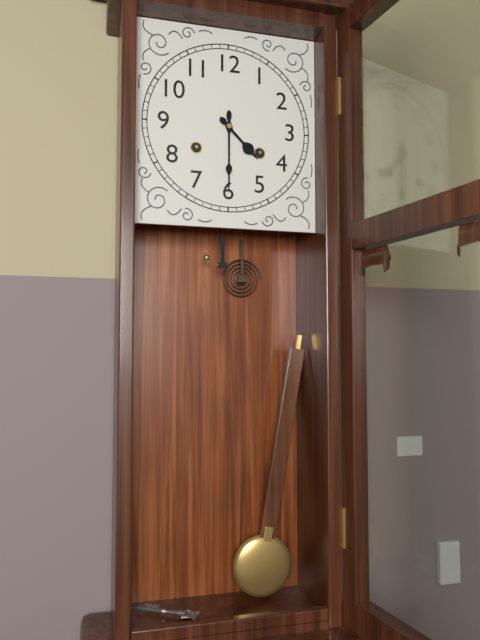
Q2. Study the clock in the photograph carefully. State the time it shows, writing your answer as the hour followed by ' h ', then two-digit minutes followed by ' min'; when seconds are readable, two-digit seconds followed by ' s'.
4 h 30 min
